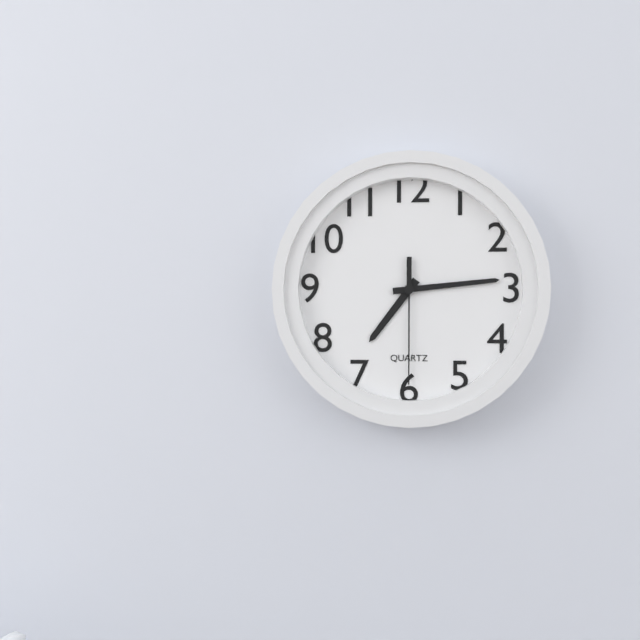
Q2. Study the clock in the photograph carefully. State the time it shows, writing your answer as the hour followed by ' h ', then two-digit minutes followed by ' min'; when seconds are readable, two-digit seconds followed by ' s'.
7 h 14 min 30 s
